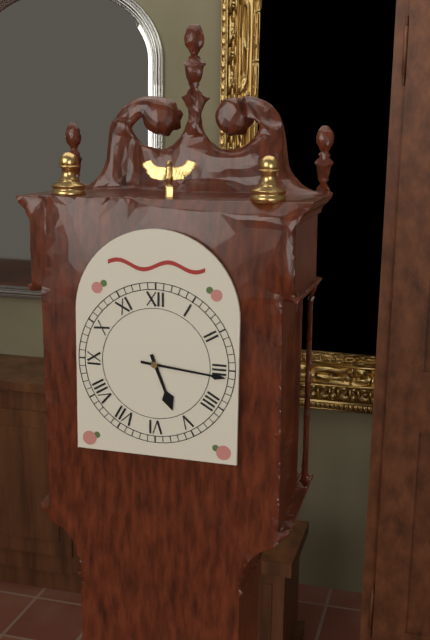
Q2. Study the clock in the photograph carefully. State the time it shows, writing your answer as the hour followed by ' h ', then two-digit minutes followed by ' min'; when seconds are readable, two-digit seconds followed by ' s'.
5 h 16 min
